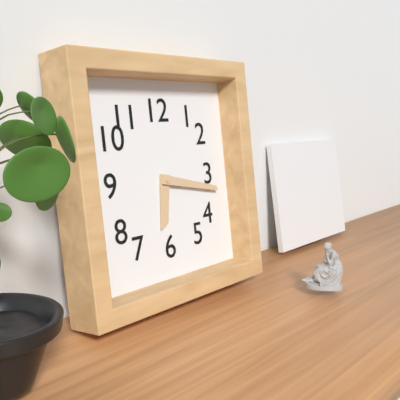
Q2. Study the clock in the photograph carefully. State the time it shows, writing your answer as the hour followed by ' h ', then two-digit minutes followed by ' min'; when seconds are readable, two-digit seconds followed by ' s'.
6 h 17 min
